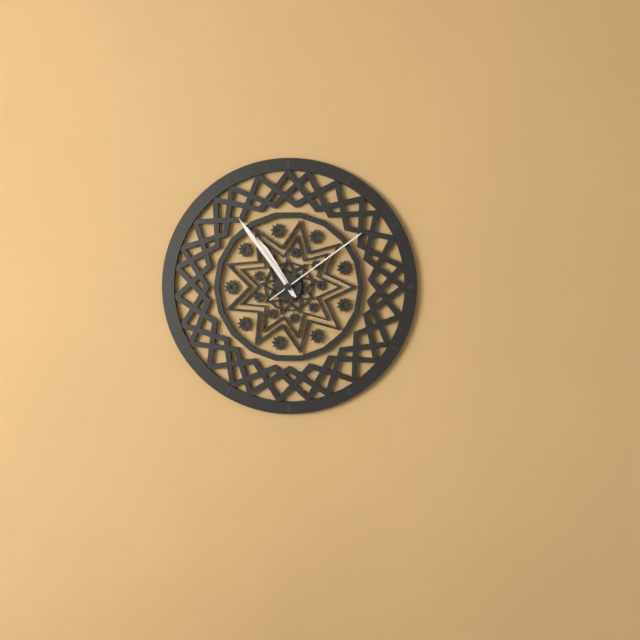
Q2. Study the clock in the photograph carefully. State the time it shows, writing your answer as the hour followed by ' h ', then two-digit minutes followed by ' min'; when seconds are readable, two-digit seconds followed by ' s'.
10 h 54 min 09 s
